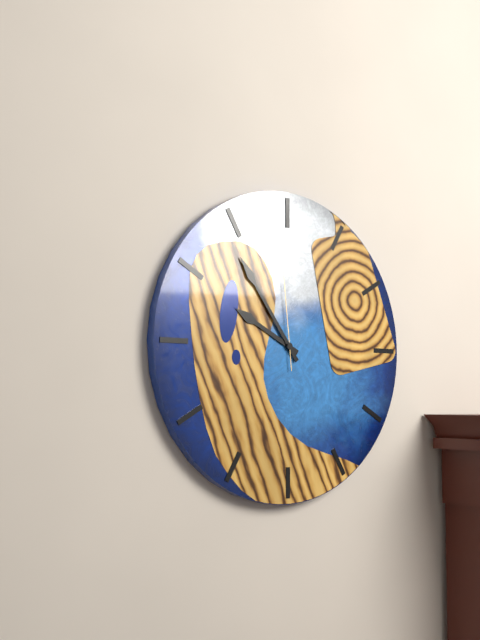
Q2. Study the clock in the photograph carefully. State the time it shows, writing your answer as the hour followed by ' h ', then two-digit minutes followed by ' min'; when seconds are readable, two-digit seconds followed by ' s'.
9 h 54 min 59 s
